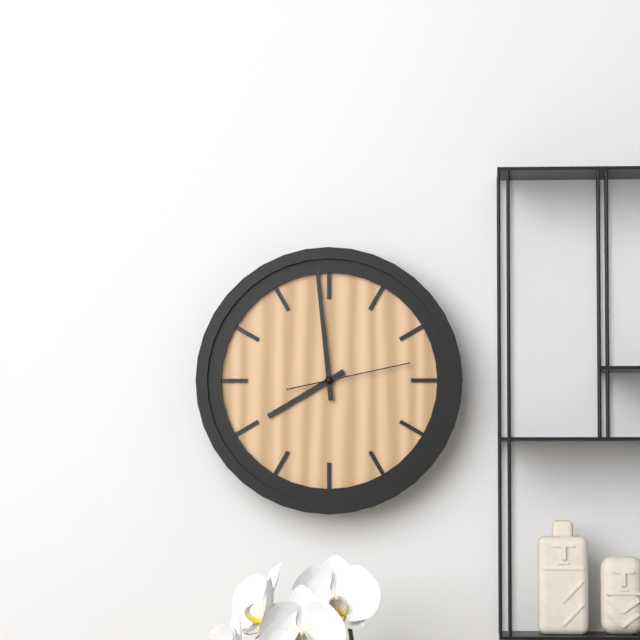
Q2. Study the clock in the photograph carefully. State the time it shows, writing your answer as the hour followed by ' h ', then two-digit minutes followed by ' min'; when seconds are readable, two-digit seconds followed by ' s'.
7 h 59 min 13 s
